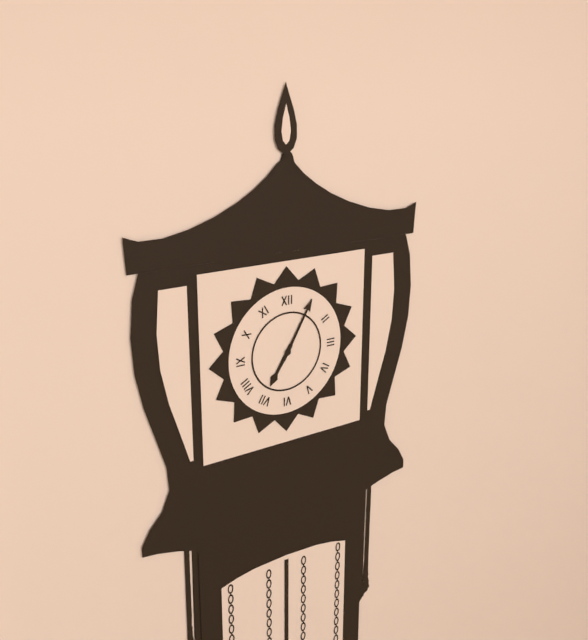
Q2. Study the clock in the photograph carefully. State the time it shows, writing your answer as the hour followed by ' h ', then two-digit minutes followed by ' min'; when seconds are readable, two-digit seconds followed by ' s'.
7 h 05 min
